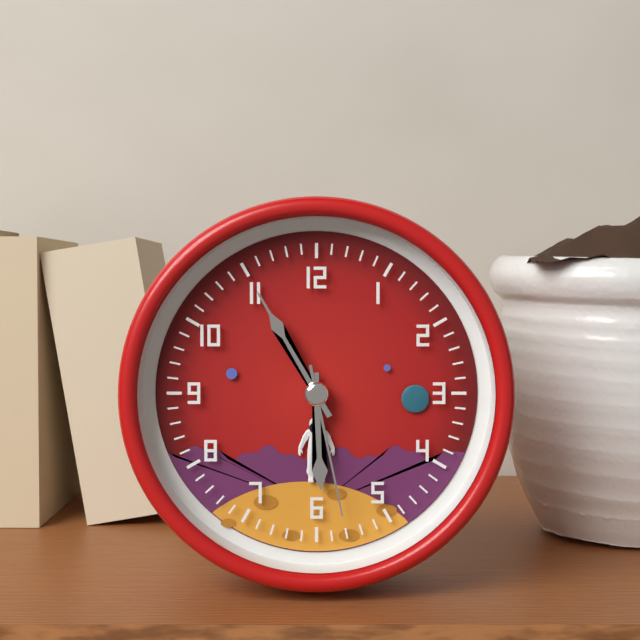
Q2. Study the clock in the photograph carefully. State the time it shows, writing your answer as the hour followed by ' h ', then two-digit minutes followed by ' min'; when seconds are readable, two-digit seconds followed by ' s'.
5 h 55 min 28 s
